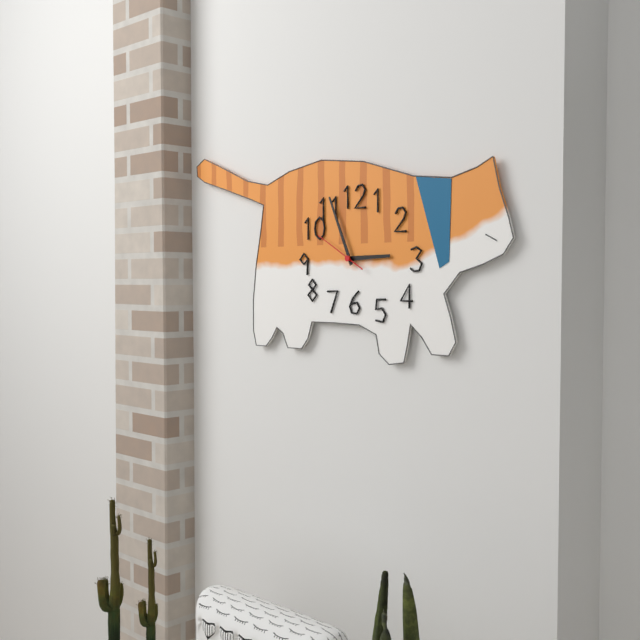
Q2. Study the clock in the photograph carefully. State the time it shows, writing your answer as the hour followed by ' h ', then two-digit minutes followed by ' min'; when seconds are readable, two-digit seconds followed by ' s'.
2 h 56 min
